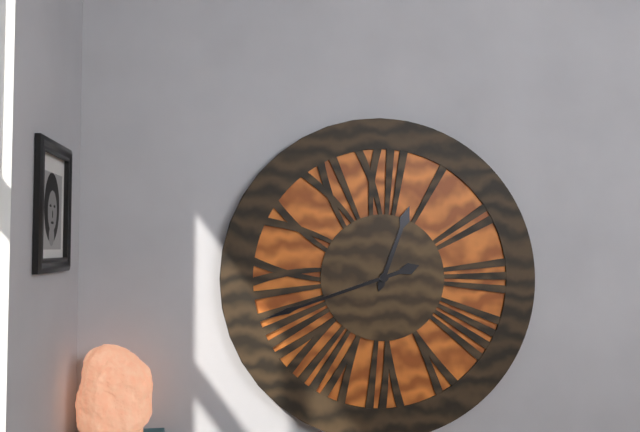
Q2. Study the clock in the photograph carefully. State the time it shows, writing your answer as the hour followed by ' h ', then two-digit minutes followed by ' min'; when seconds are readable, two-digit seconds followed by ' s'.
12 h 42 min
